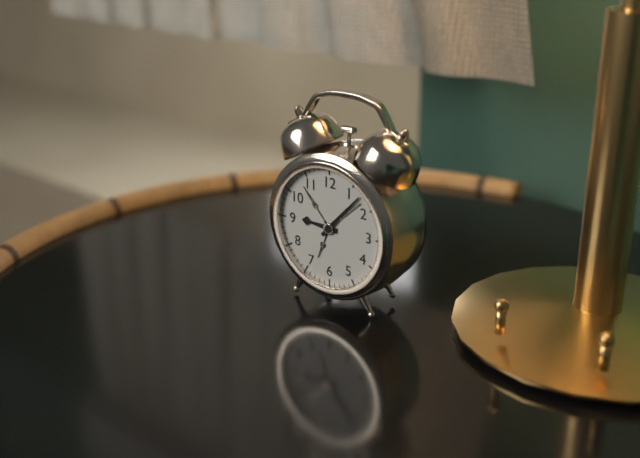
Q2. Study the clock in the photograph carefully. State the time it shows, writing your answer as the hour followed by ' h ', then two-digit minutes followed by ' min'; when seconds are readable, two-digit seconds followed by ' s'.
9 h 07 min
